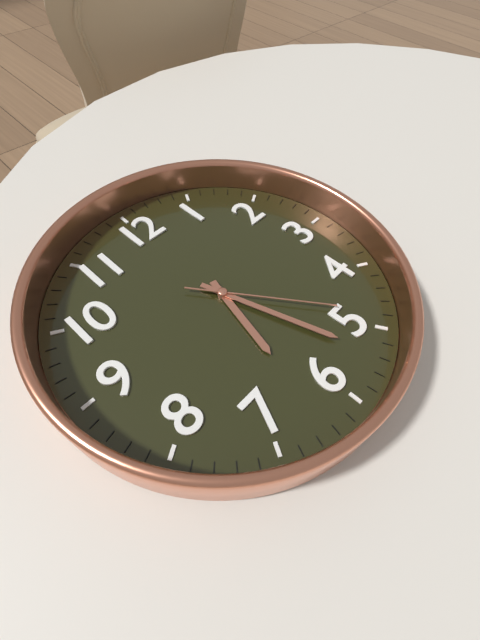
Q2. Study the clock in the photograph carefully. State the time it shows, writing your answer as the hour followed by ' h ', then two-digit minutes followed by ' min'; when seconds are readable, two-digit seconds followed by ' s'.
6 h 27 min 24 s
